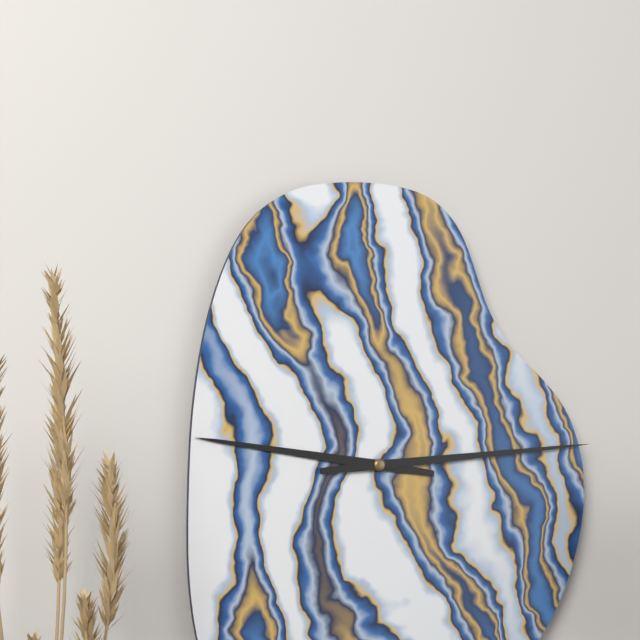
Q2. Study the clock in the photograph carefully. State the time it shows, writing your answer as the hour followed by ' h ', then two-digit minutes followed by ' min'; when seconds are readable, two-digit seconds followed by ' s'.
9 h 14 min
